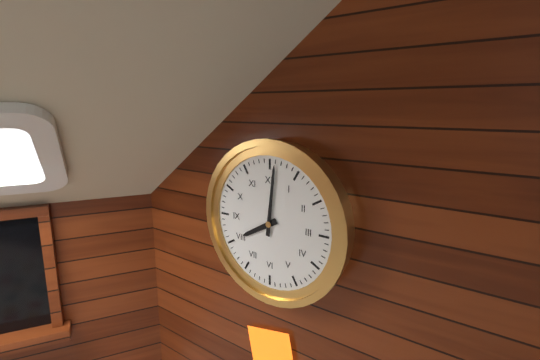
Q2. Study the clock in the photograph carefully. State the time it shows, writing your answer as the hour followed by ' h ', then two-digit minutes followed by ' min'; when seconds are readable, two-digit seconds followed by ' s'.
8 h 01 min
